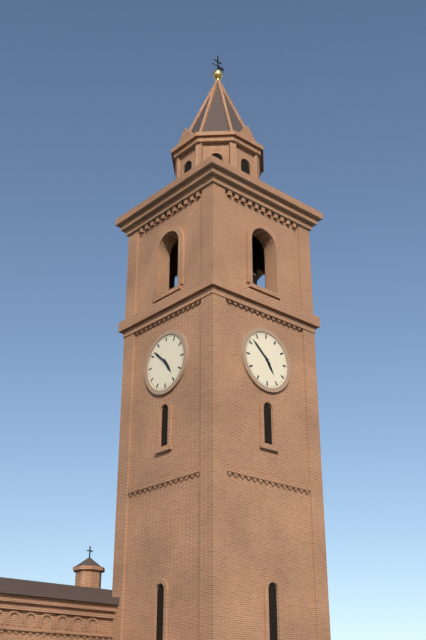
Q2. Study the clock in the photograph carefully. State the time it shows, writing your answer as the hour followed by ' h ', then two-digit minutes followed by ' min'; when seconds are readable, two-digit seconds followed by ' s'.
4 h 52 min
